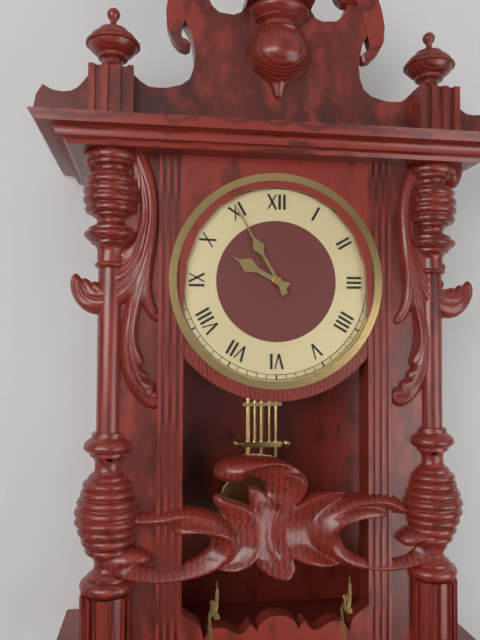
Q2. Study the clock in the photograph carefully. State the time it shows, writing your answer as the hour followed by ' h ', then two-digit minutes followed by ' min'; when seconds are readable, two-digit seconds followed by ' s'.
9 h 55 min
